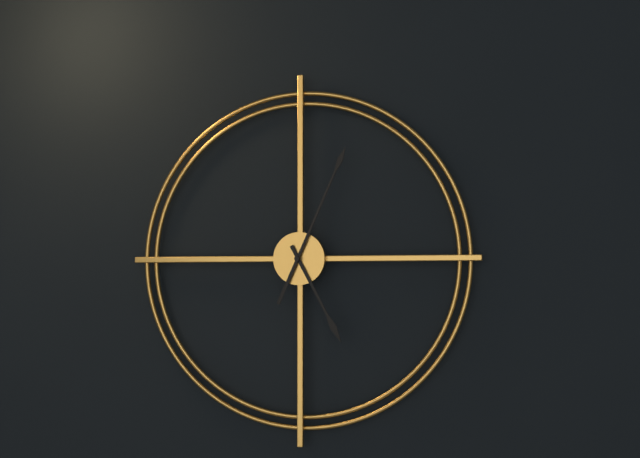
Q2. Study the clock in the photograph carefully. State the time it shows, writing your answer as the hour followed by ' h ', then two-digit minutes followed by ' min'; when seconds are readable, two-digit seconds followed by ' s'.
5 h 04 min
